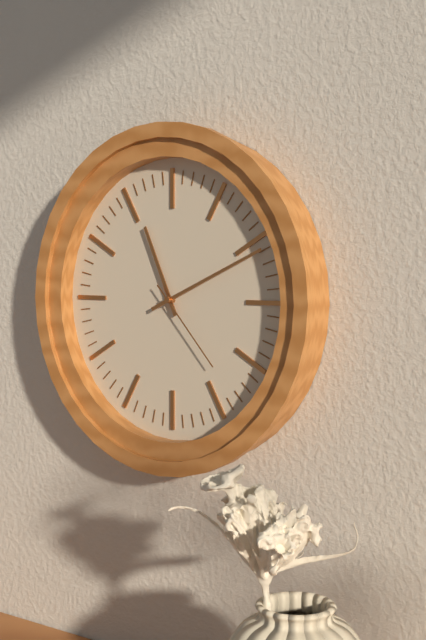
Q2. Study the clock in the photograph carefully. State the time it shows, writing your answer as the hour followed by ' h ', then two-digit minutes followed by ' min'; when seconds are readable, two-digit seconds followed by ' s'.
11 h 11 min 23 s
